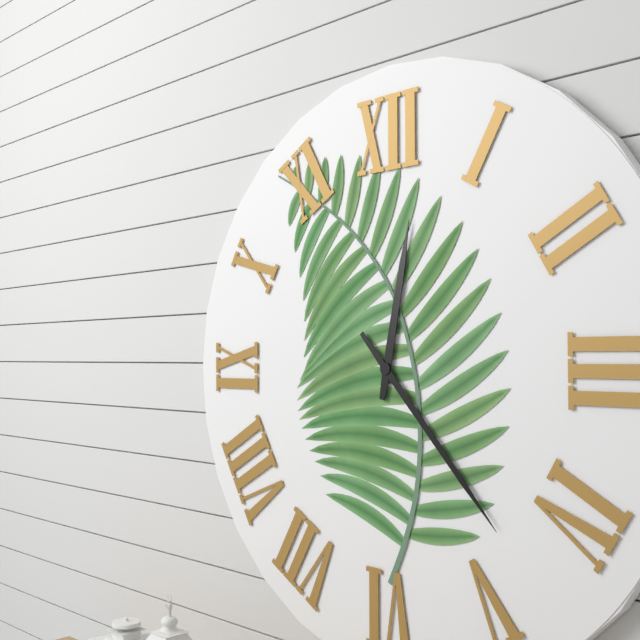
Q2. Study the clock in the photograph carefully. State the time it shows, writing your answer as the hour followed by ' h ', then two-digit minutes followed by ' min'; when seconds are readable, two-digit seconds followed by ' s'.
12 h 23 min
